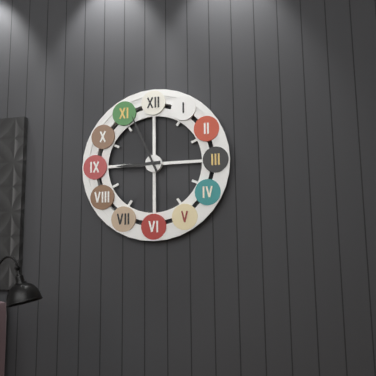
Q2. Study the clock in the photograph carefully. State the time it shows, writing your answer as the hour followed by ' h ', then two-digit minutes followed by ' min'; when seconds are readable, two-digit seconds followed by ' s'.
8 h 56 min
